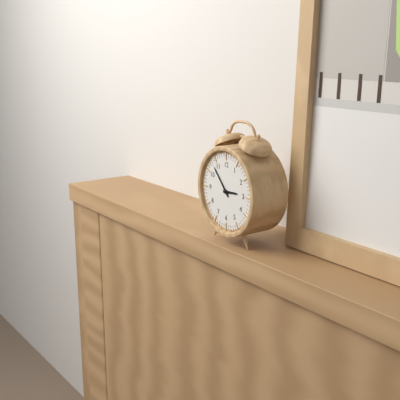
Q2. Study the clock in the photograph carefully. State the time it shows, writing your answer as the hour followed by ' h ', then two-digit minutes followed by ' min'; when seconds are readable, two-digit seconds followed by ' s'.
2 h 53 min
